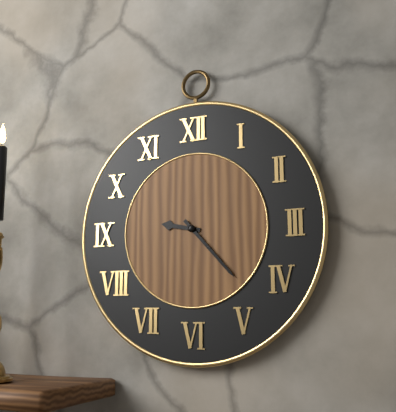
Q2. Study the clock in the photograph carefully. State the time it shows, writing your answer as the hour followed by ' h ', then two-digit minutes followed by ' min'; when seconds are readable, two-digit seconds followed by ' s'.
9 h 23 min
